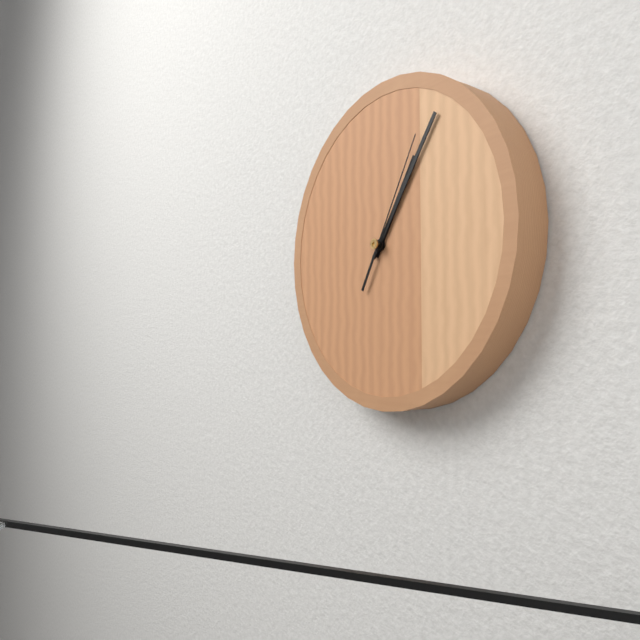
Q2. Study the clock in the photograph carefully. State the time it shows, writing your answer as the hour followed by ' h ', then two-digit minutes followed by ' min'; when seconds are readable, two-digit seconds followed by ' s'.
1 h 06 min 05 s
